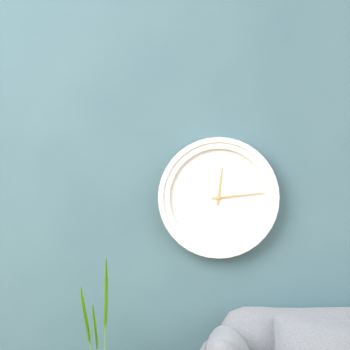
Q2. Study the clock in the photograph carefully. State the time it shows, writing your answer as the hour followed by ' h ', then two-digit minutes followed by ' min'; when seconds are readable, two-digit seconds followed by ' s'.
12 h 14 min
